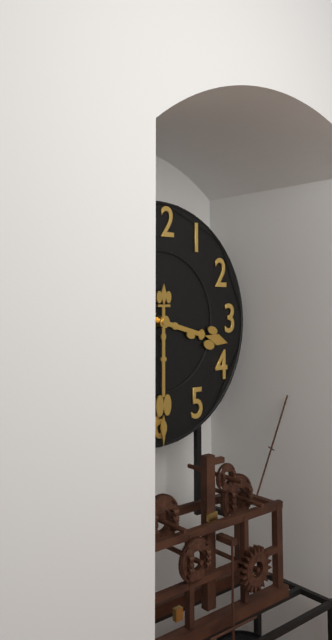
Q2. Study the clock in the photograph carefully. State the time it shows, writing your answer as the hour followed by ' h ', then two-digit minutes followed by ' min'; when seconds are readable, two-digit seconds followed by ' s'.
3 h 30 min
